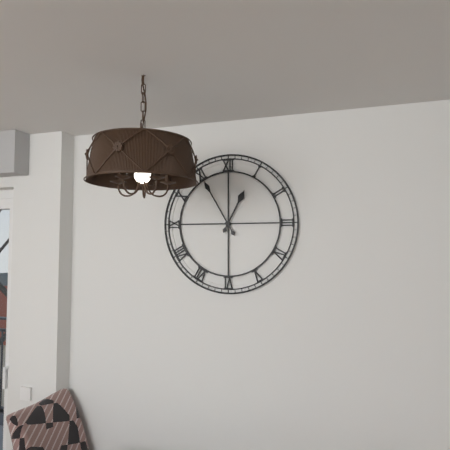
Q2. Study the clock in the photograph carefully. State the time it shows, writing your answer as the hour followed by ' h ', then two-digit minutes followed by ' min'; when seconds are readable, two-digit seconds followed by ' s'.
12 h 55 min
